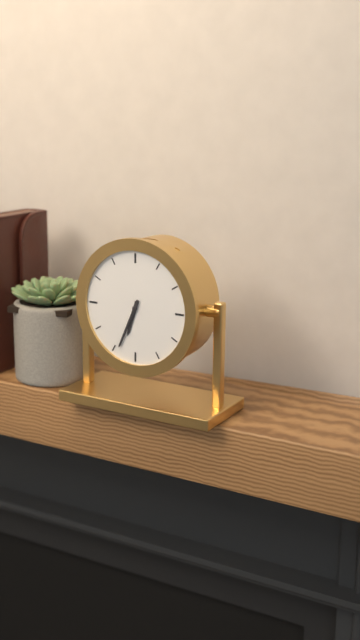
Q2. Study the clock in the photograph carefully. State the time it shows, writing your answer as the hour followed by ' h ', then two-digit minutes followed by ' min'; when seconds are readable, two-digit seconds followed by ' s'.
6 h 34 min
